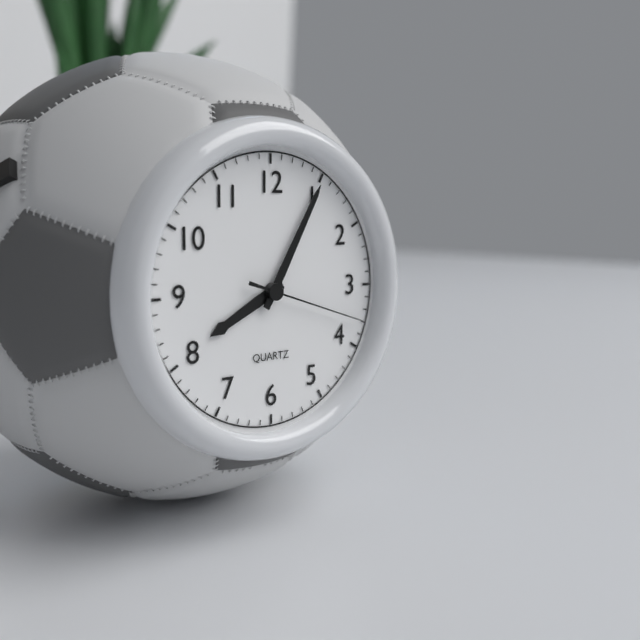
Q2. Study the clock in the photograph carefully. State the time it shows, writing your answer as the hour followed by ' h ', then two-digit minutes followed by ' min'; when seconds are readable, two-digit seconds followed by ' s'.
8 h 05 min 18 s
